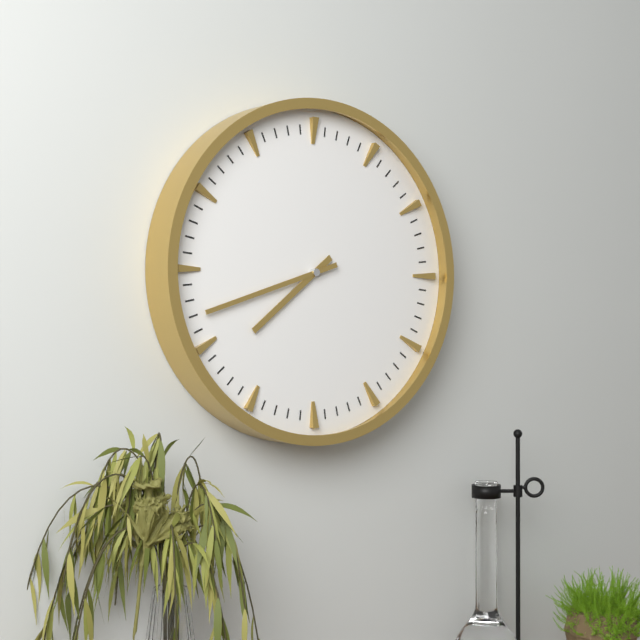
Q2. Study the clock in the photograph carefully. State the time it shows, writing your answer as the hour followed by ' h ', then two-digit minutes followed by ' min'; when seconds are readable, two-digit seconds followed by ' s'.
7 h 42 min
